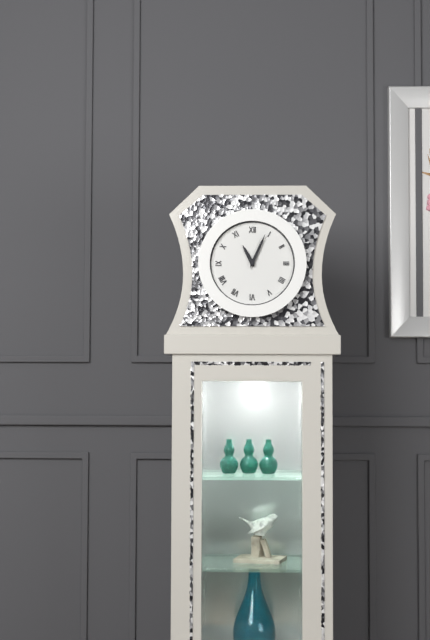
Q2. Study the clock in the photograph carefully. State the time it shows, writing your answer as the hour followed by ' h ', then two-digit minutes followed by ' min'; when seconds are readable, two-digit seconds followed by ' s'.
11 h 04 min
